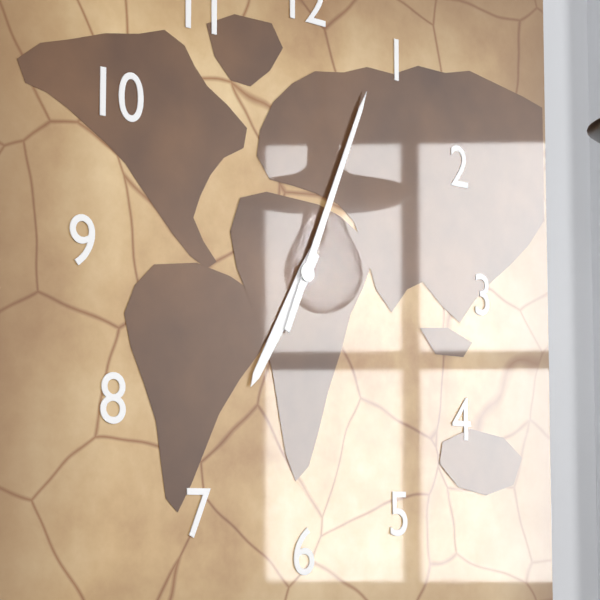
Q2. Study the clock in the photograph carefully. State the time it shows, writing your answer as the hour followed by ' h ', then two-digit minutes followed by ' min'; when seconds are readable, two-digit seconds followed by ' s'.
7 h 04 min
